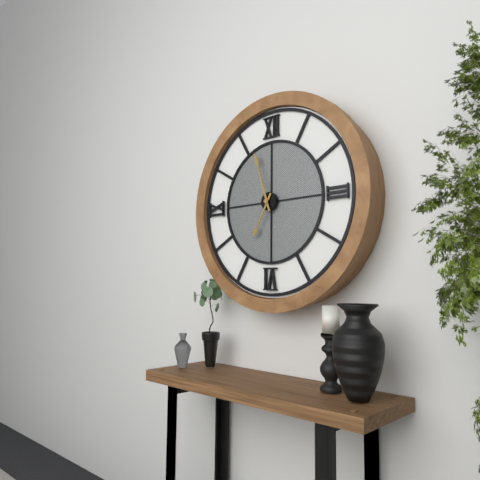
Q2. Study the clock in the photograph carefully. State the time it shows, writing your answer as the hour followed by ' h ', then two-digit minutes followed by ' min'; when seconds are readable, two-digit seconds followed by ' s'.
6 h 57 min
